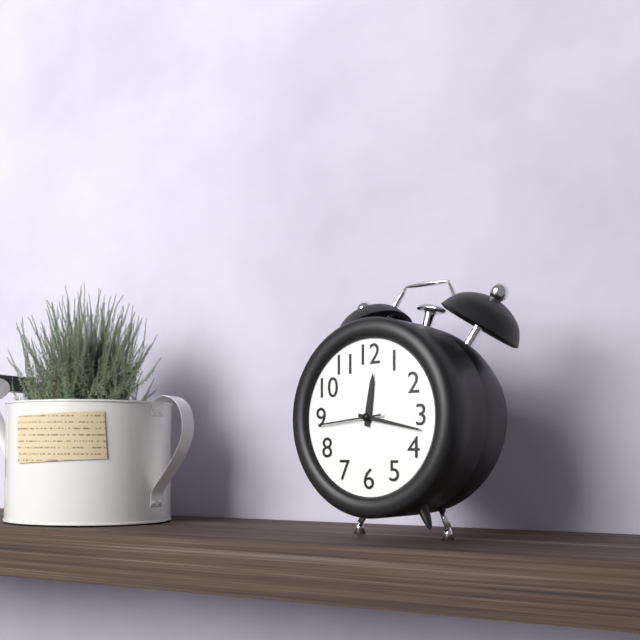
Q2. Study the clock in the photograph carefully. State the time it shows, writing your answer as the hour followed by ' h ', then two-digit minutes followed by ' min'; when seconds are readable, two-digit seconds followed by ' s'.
12 h 17 min 44 s
